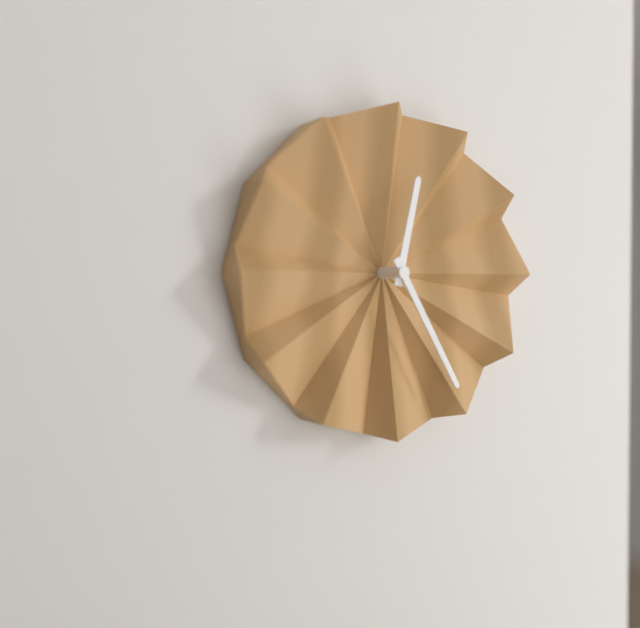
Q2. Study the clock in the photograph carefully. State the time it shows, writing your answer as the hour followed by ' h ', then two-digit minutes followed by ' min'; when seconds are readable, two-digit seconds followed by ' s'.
12 h 25 min
